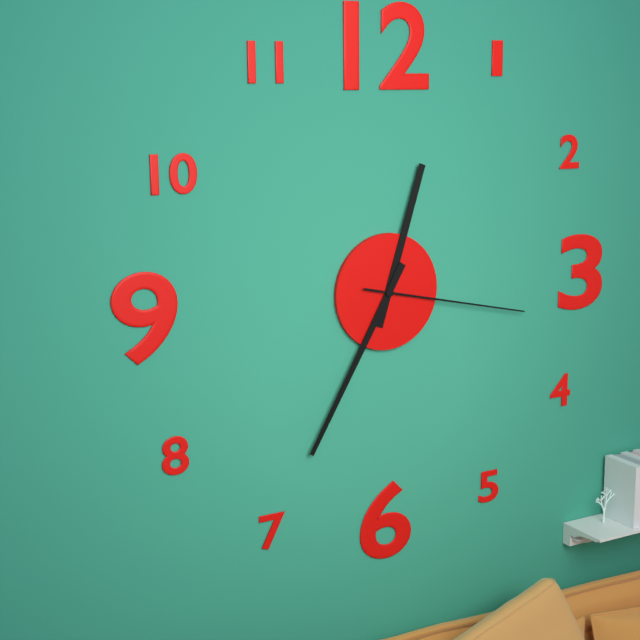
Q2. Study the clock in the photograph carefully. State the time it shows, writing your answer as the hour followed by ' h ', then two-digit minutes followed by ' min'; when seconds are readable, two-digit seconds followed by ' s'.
12 h 35 min 17 s
